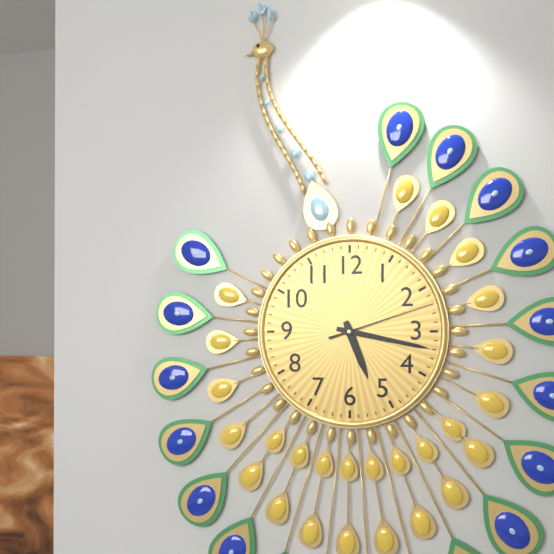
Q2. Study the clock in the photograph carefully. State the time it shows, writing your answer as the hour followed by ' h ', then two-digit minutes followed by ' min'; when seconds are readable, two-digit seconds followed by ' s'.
5 h 17 min 12 s
